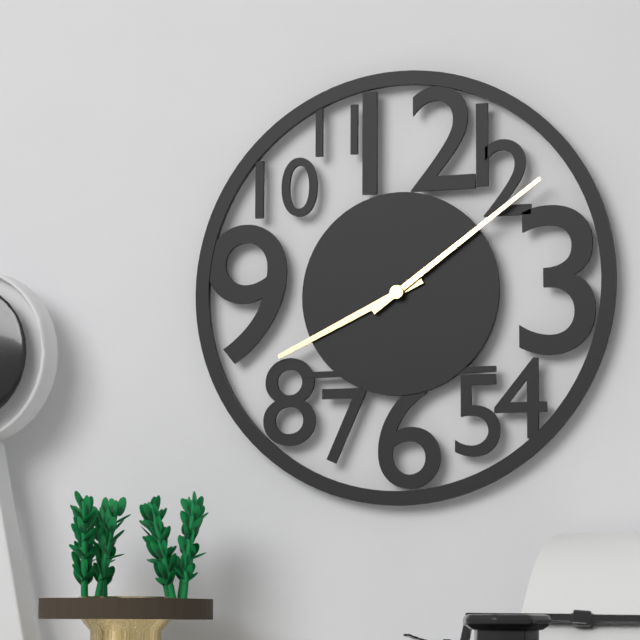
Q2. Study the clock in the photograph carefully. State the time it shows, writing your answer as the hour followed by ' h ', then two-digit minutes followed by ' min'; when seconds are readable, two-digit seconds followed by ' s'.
8 h 09 min
